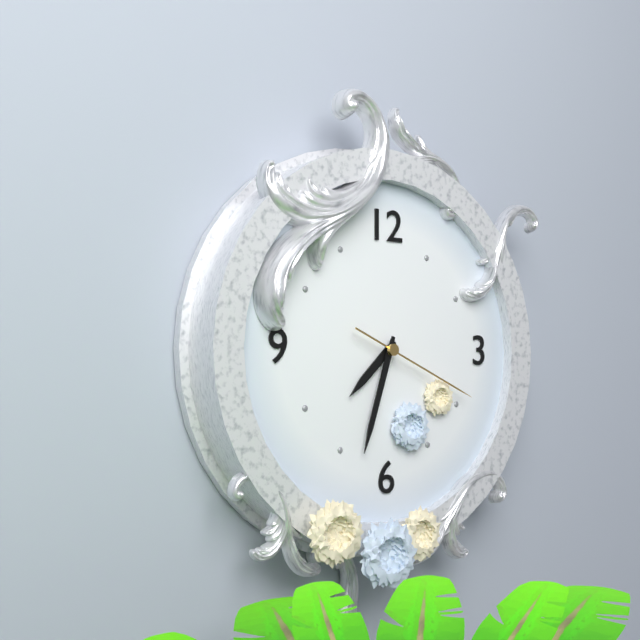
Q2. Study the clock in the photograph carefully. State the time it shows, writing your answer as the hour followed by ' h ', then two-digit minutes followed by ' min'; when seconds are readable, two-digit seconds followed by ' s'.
7 h 33 min 19 s
